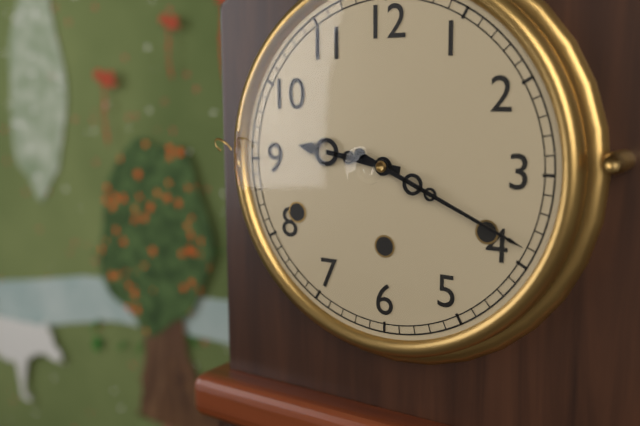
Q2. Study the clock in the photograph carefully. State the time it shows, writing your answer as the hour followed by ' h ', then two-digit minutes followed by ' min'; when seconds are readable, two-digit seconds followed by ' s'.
9 h 19 min
